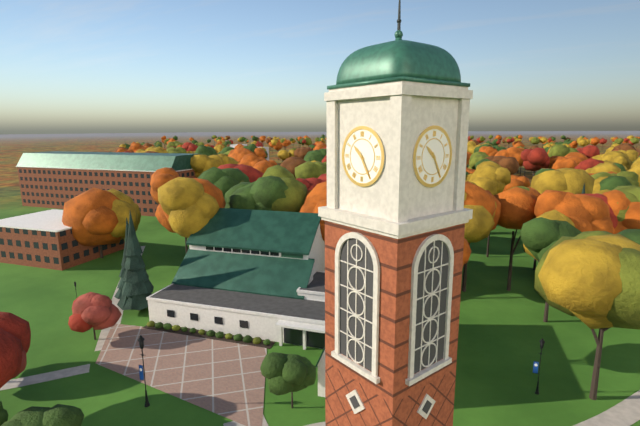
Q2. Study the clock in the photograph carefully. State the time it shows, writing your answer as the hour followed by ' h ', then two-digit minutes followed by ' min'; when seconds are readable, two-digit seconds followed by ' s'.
10 h 25 min
